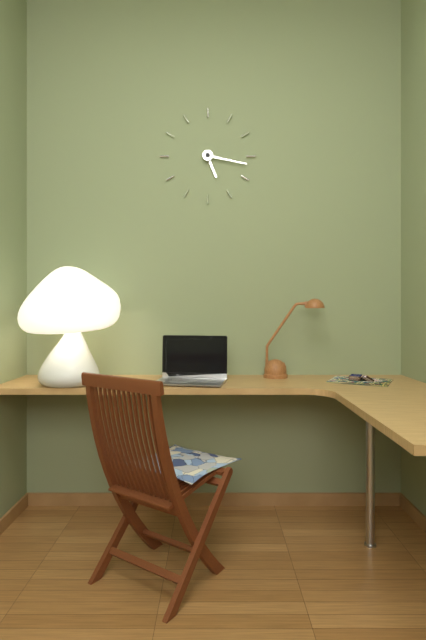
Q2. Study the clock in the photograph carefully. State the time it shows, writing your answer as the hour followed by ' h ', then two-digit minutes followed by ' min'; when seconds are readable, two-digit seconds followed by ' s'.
5 h 17 min
